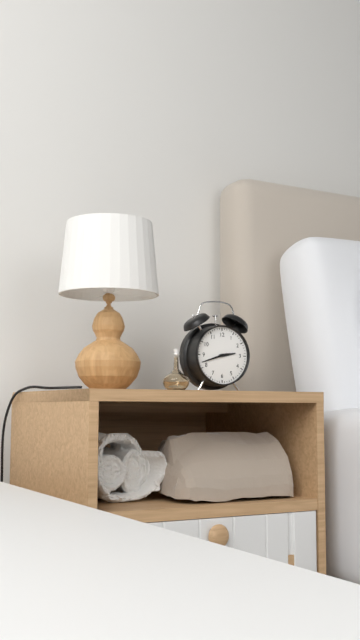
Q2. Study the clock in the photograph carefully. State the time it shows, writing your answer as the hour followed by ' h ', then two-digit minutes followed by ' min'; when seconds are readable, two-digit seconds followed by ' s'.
2 h 42 min
